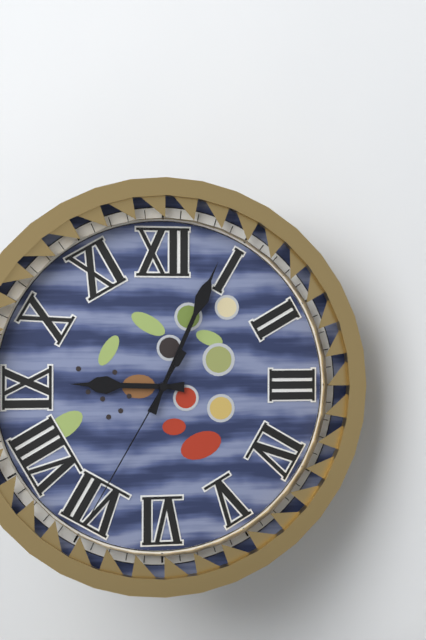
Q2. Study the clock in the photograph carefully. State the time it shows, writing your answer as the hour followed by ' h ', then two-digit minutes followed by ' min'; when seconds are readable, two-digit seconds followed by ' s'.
9 h 04 min 35 s
